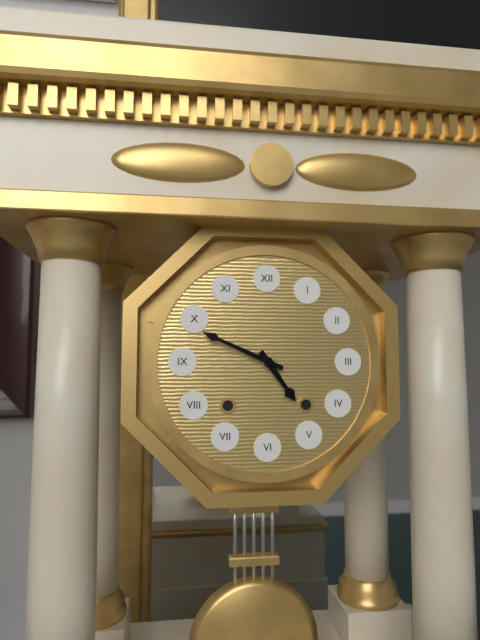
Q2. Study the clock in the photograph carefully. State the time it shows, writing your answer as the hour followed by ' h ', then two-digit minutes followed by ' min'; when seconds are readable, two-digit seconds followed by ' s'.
4 h 49 min
